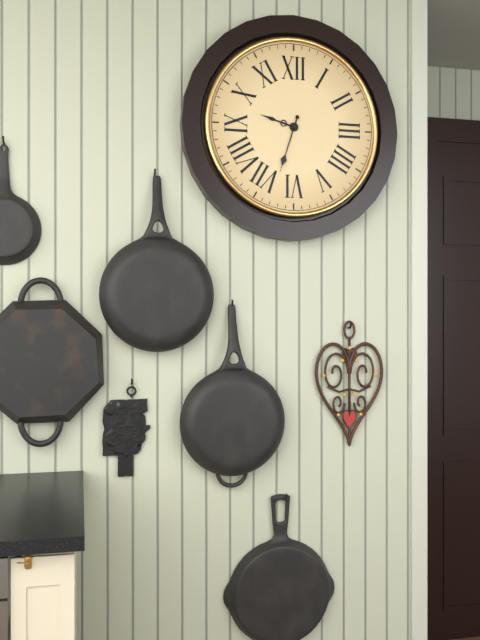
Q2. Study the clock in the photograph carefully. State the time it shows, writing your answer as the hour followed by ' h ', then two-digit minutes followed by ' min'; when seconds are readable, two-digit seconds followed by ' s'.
9 h 33 min
